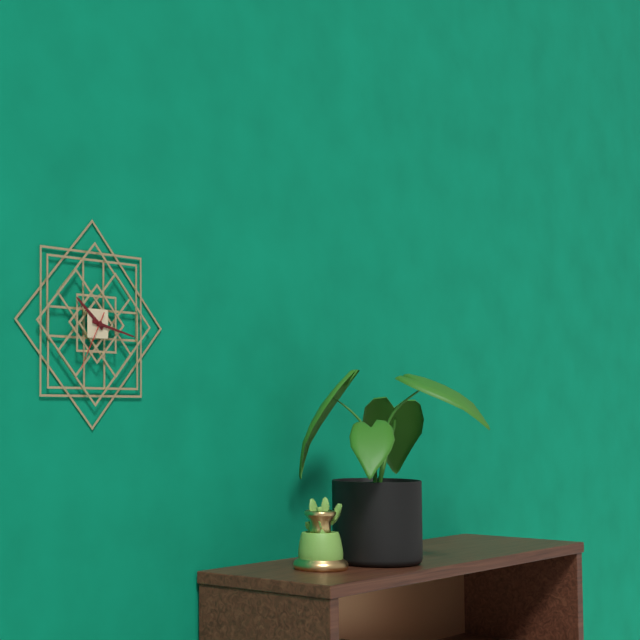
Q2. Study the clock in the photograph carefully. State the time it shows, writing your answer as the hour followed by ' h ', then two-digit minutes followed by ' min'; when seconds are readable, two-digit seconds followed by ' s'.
10 h 17 min 35 s
